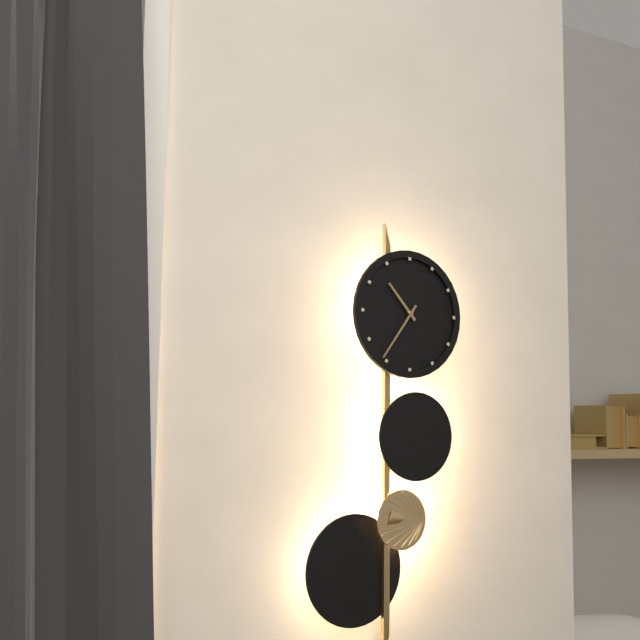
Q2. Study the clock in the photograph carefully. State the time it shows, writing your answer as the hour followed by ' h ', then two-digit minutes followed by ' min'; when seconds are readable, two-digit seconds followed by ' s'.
10 h 36 min
